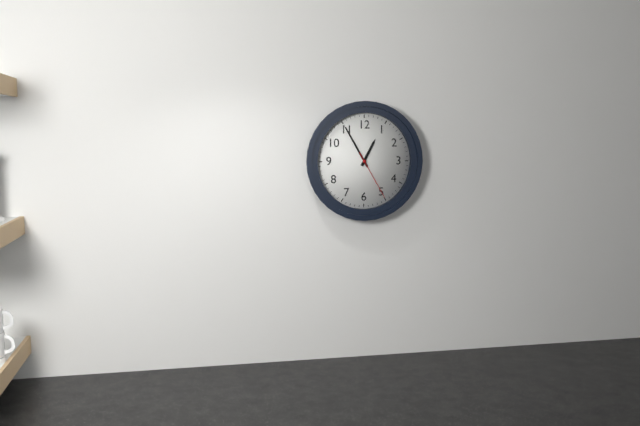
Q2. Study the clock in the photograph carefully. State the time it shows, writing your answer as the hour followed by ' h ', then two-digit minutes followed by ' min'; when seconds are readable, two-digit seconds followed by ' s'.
12 h 55 min 25 s
